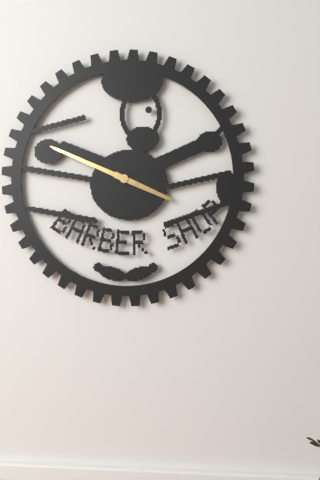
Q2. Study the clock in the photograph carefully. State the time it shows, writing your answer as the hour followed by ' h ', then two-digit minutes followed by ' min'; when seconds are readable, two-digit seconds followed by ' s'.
3 h 49 min
